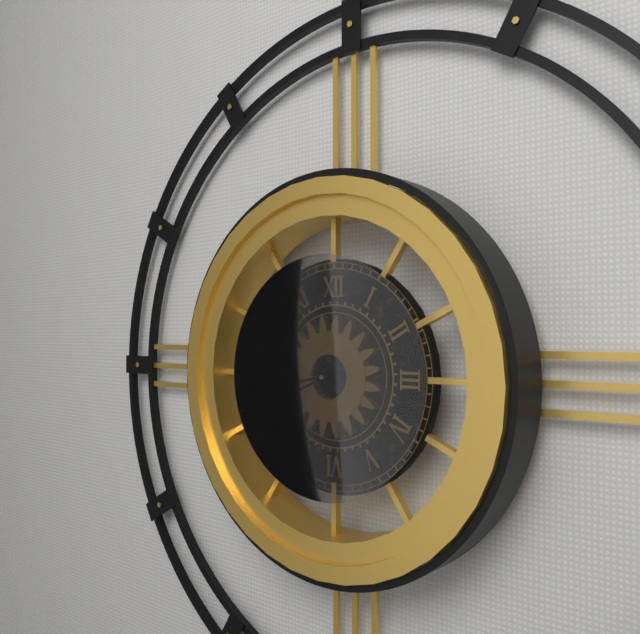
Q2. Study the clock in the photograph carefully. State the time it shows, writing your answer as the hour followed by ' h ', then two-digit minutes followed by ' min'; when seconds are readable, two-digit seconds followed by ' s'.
8 h 41 min
